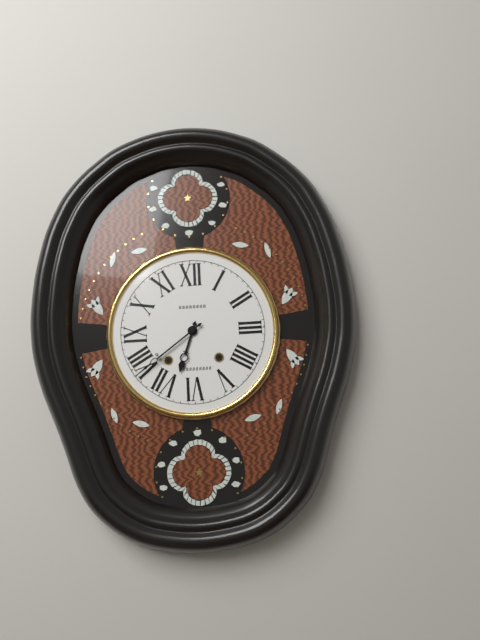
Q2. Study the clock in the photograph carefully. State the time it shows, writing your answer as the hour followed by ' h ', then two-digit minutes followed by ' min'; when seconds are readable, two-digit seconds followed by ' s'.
6 h 39 min
